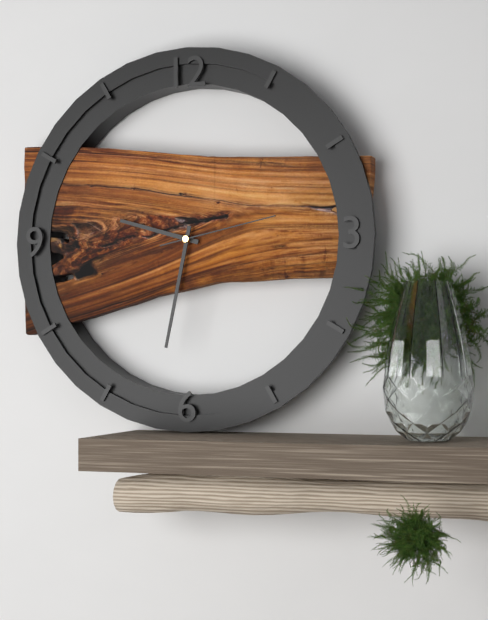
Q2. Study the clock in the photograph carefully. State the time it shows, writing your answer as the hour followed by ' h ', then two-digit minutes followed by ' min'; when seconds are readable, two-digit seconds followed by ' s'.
9 h 32 min 13 s
